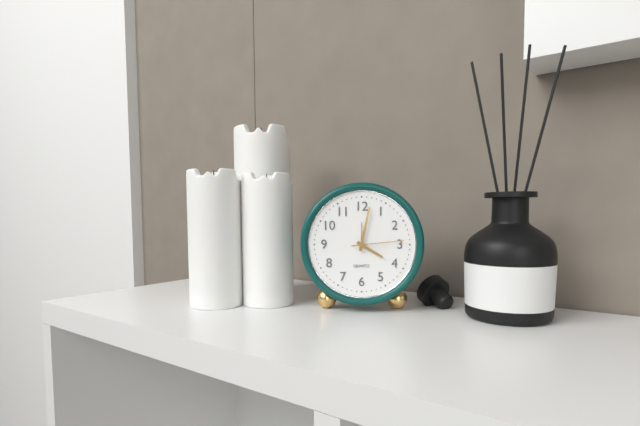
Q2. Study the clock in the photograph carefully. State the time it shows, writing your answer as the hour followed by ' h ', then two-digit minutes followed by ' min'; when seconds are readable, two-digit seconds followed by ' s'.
4 h 02 min 14 s
